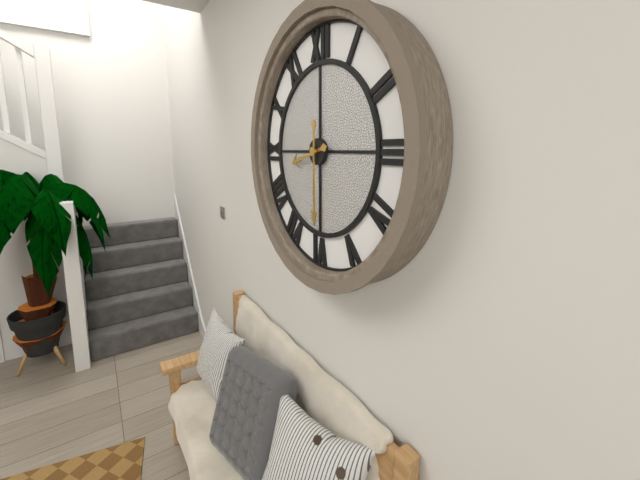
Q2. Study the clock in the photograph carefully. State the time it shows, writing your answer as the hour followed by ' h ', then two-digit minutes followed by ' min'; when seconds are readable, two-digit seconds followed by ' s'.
8 h 30 min
